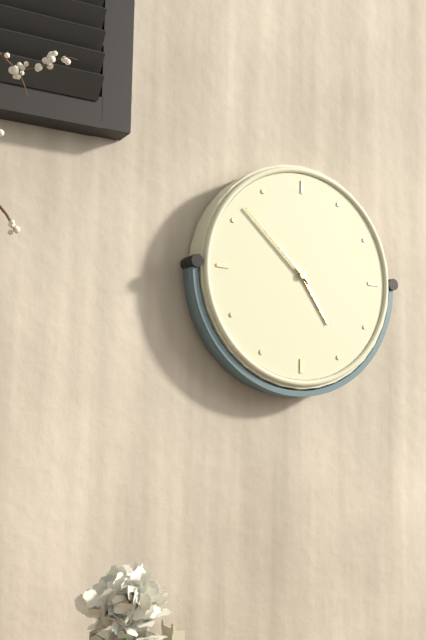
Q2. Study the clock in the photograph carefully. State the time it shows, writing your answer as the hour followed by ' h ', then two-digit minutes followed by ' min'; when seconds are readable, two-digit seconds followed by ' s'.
4 h 52 min
